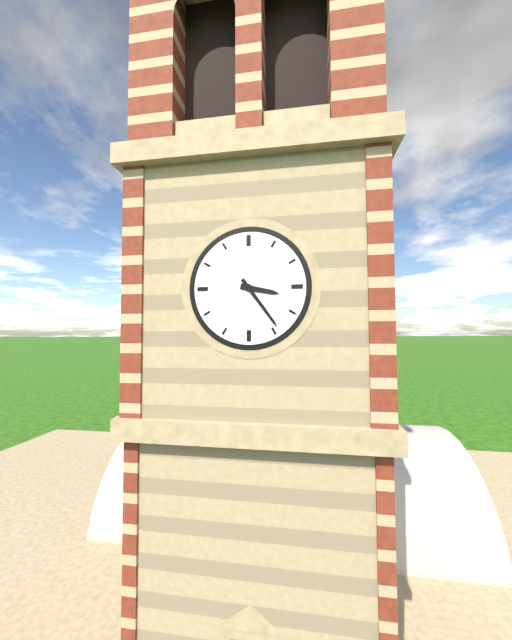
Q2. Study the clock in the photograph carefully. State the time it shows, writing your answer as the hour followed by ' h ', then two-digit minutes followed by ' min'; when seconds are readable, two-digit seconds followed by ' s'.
3 h 24 min
